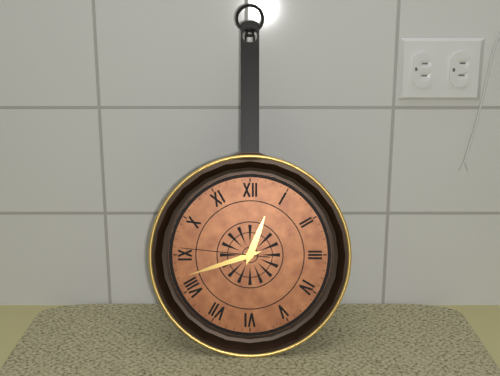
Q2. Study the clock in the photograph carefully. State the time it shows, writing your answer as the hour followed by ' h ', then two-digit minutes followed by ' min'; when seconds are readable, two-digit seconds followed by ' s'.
12 h 42 min 46 s
